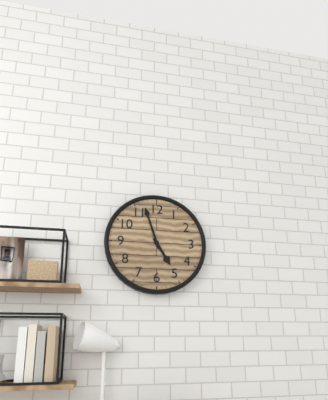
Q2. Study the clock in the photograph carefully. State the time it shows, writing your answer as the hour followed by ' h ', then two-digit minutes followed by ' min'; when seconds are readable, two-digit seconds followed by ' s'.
4 h 57 min
